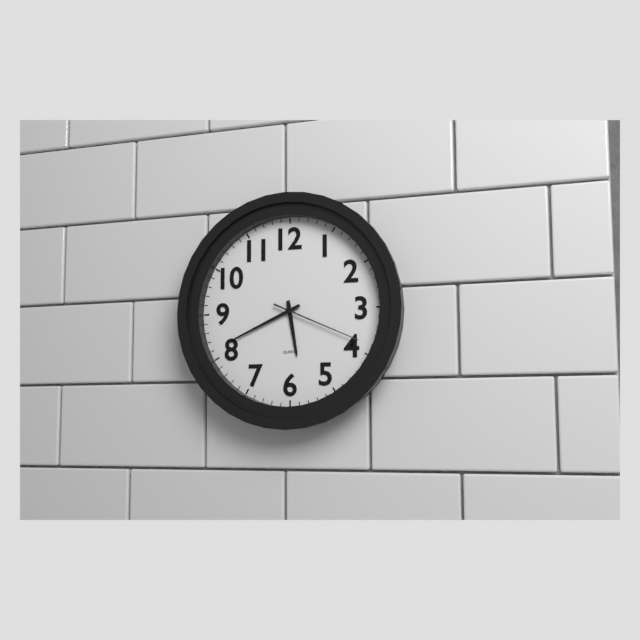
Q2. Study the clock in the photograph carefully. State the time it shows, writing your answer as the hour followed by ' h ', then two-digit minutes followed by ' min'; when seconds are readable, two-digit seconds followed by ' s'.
5 h 41 min 19 s
